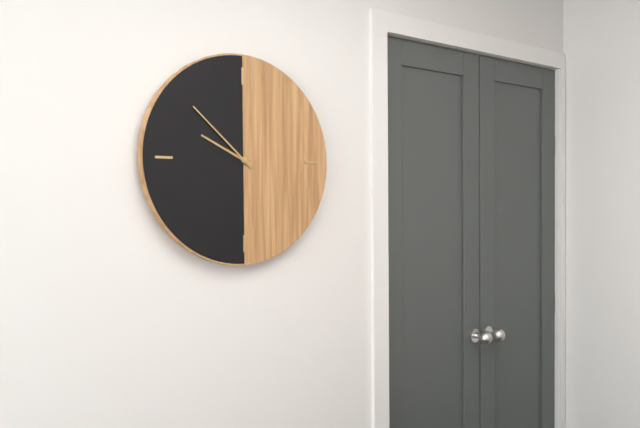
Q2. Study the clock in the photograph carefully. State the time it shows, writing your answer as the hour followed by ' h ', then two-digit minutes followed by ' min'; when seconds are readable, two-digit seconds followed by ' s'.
9 h 52 min
